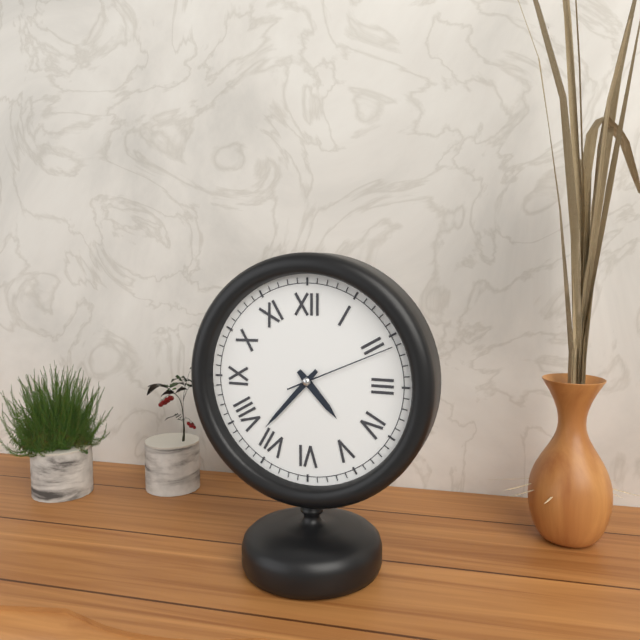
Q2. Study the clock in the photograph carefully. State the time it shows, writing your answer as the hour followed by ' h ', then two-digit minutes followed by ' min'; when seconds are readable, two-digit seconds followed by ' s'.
4 h 37 min 11 s
